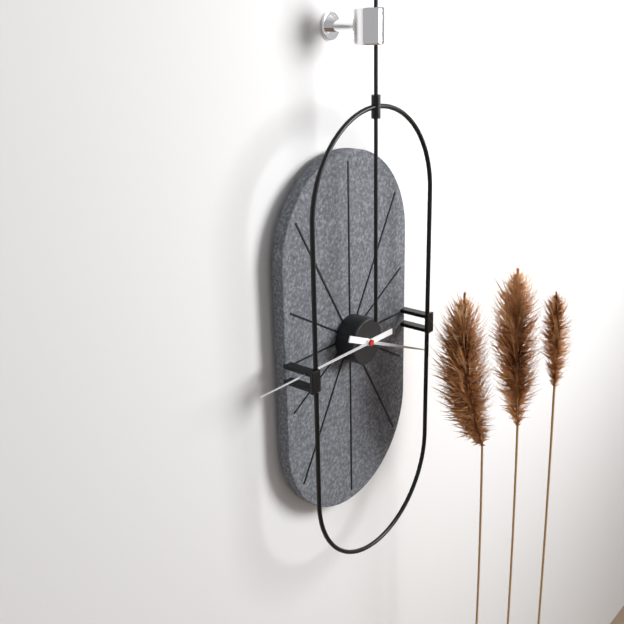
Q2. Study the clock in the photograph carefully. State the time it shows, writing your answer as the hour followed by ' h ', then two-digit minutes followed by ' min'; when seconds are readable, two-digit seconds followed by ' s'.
3 h 45 min
